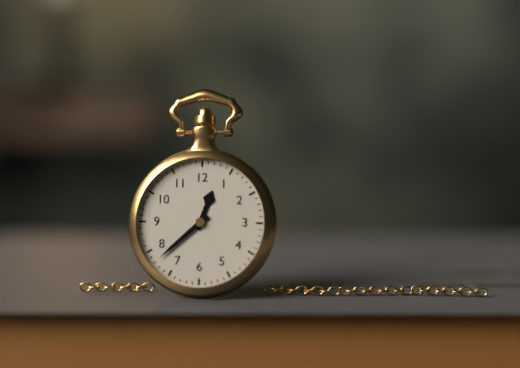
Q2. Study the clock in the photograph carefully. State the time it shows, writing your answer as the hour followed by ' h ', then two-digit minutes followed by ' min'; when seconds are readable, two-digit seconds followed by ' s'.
12 h 38 min
